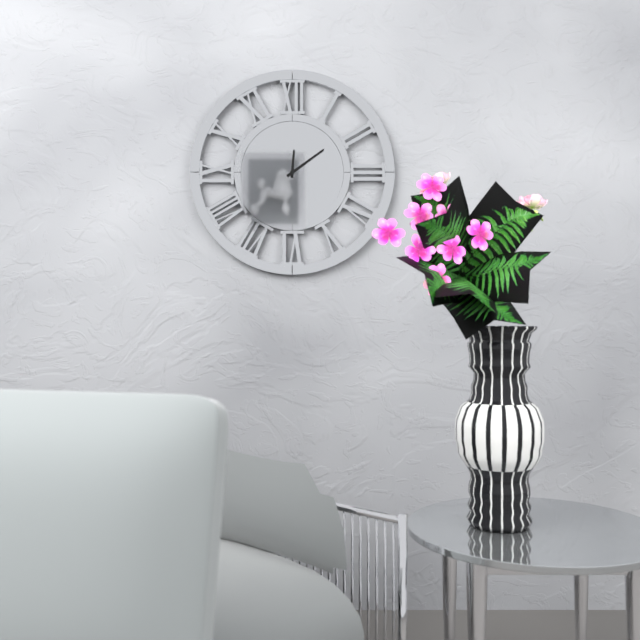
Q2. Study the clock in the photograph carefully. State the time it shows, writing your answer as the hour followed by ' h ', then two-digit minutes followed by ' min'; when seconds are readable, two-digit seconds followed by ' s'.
12 h 09 min
